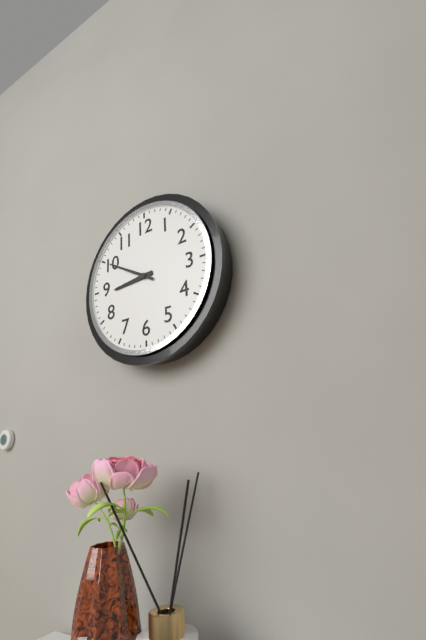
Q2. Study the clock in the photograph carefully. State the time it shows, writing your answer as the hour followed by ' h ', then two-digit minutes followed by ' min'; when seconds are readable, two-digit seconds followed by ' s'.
8 h 50 min
